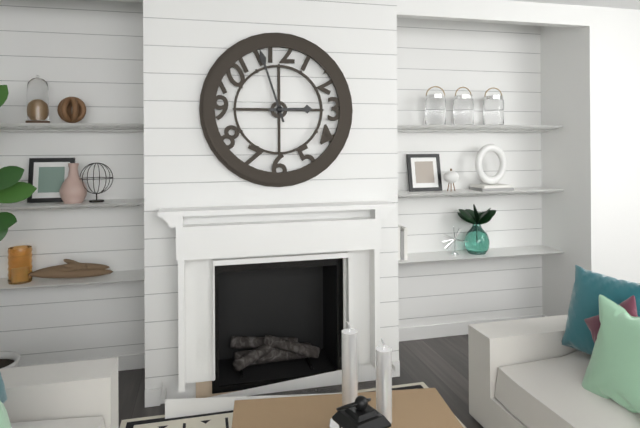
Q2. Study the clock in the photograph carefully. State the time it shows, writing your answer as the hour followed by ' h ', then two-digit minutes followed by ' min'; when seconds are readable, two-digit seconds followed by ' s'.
2 h 57 min
